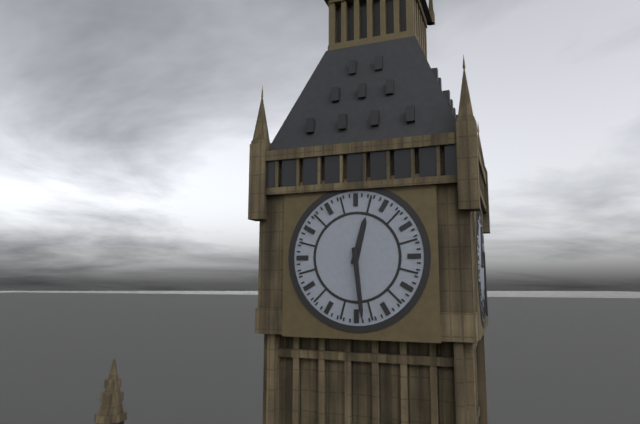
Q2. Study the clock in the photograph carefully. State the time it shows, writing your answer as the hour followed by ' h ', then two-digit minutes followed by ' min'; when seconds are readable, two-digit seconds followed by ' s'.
12 h 29 min
